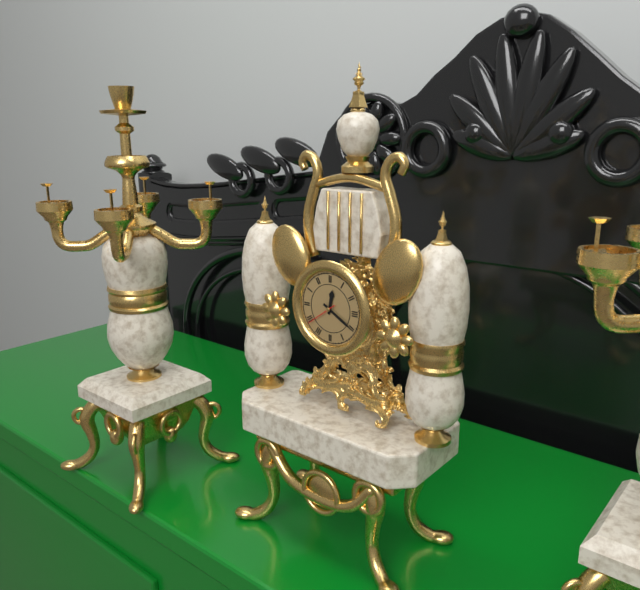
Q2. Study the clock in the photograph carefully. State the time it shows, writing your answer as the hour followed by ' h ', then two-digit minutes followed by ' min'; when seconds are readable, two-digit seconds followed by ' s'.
12 h 20 min
